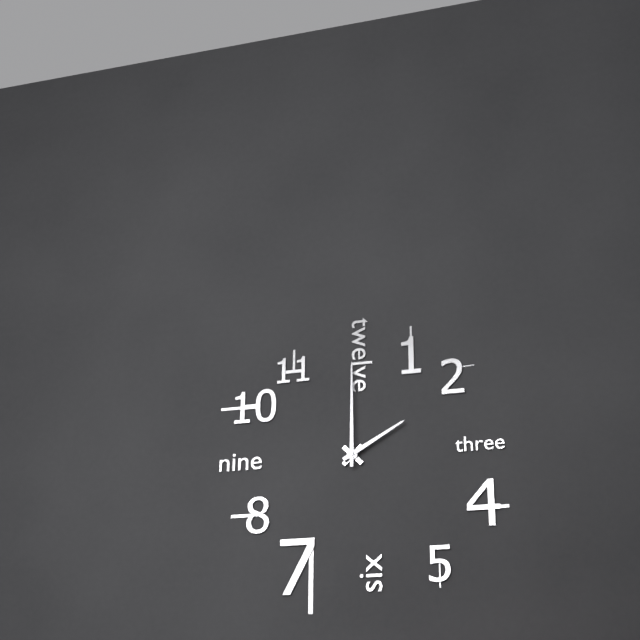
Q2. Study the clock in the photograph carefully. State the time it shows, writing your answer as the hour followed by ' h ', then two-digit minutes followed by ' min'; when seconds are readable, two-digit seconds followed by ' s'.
2 h 00 min
